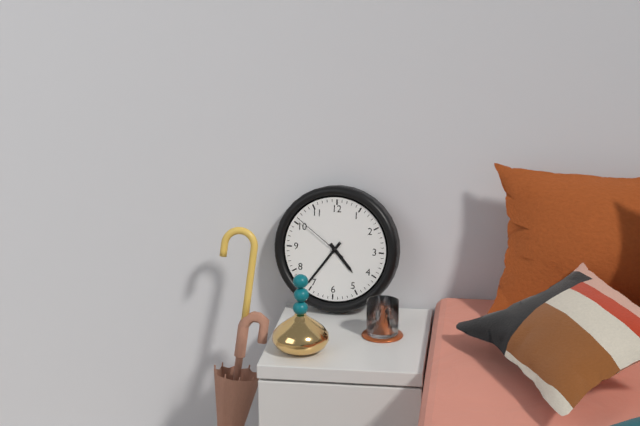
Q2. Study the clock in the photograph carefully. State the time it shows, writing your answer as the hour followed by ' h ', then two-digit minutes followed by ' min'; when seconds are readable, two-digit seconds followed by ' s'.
4 h 36 min 51 s
